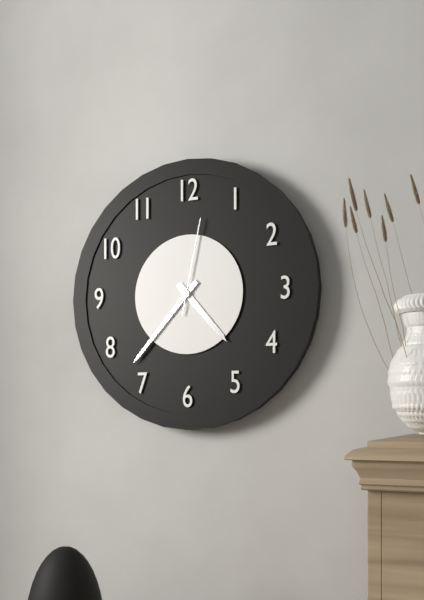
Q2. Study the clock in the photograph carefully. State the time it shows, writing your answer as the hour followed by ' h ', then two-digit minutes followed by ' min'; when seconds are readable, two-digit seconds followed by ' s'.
4 h 37 min 02 s
